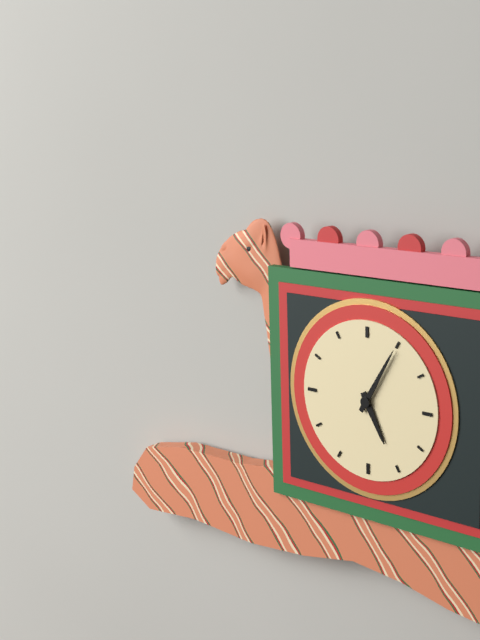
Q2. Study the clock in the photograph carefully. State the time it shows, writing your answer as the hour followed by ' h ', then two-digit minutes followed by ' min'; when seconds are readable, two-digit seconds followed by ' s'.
5 h 05 min
